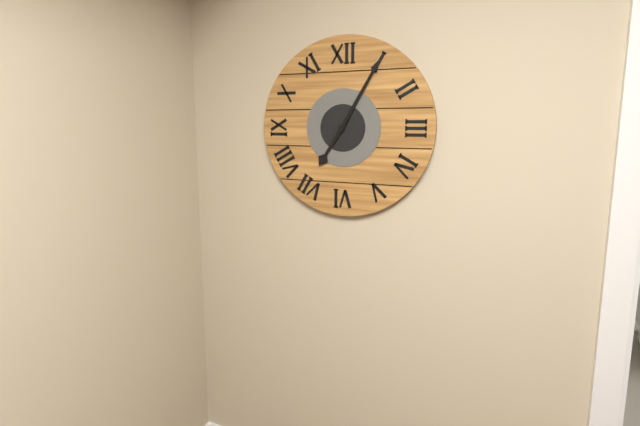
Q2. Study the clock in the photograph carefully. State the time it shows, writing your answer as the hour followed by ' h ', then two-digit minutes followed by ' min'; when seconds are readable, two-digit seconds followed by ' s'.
7 h 05 min
